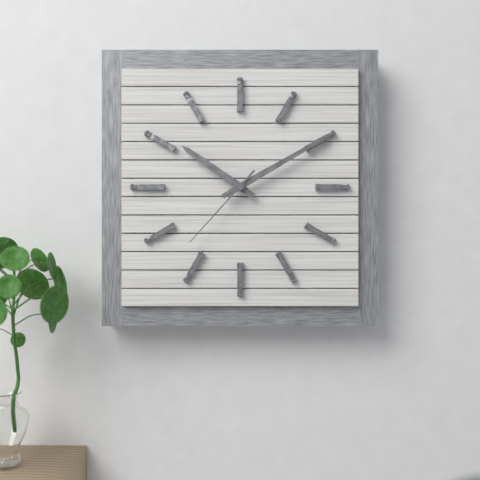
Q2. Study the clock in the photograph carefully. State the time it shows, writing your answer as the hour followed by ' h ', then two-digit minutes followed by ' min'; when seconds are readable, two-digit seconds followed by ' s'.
10 h 10 min 37 s
